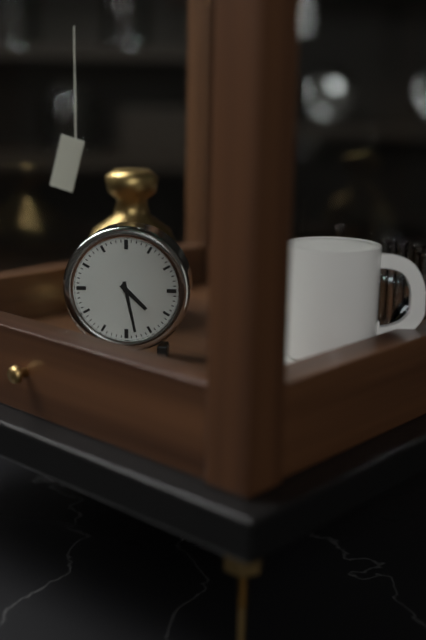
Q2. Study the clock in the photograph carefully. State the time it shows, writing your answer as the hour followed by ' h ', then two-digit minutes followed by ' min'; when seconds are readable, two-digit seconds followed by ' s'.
4 h 28 min
